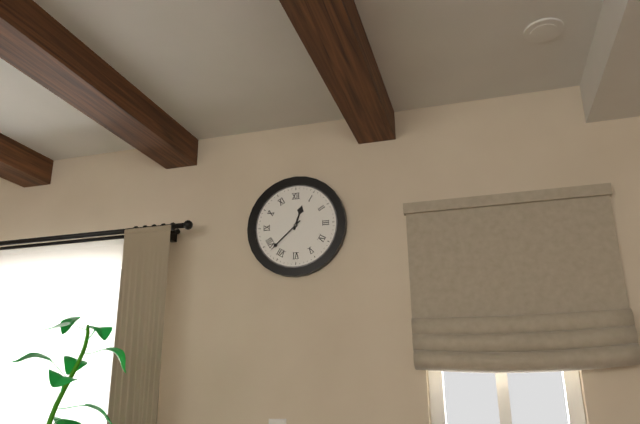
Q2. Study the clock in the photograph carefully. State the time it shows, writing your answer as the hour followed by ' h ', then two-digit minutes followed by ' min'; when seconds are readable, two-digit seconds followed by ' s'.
12 h 38 min
